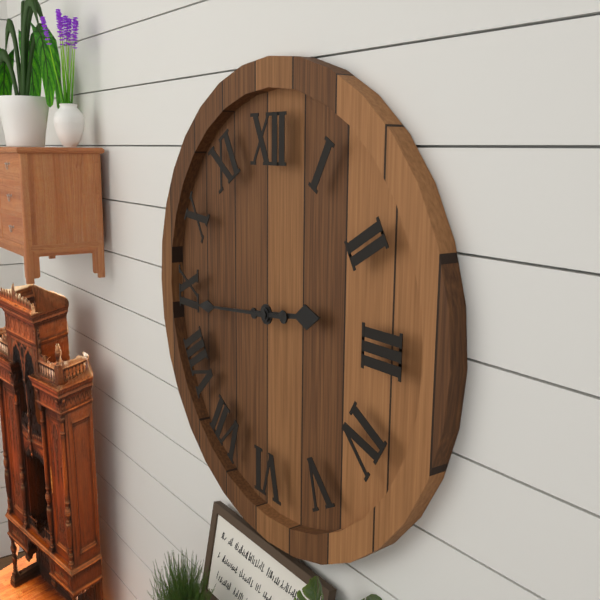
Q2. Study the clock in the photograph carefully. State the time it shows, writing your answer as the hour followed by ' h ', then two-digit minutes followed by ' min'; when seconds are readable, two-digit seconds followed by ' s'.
2 h 44 min
